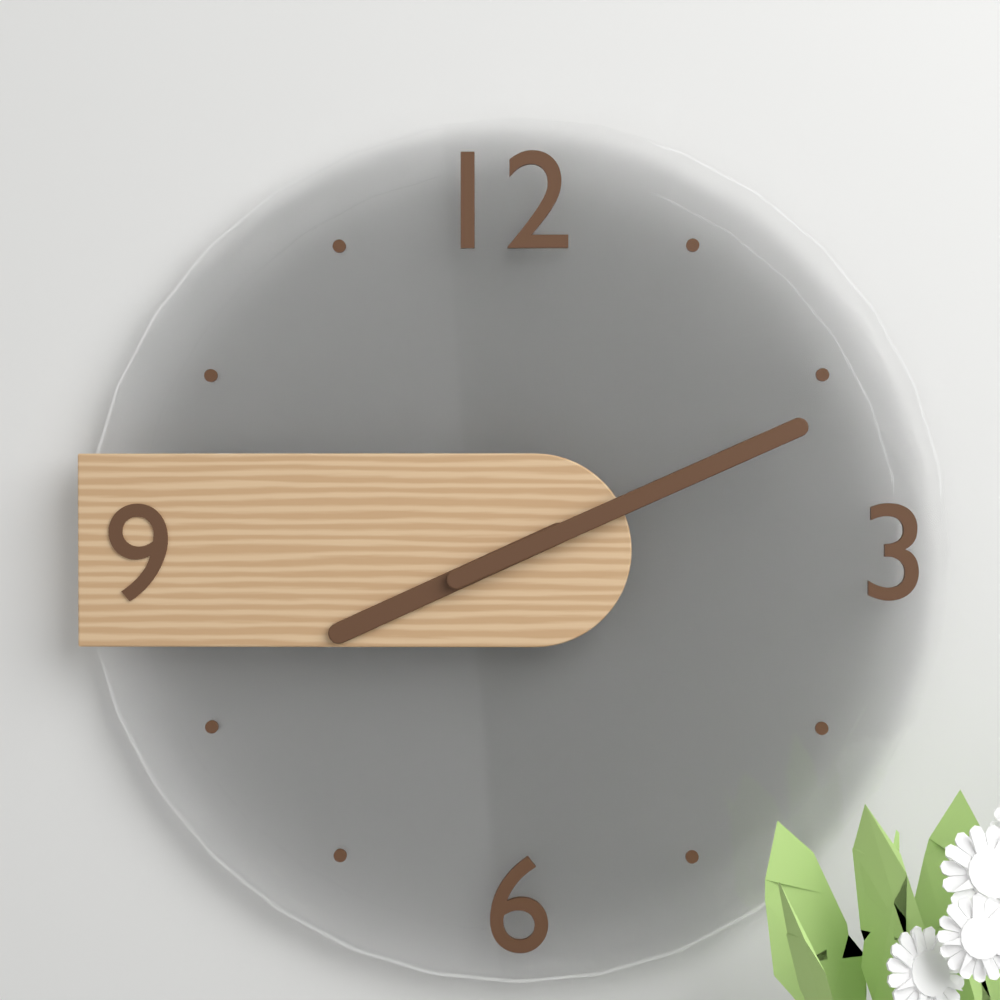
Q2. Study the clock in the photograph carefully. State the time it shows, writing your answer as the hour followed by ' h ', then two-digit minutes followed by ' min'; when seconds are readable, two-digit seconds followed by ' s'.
8 h 11 min
